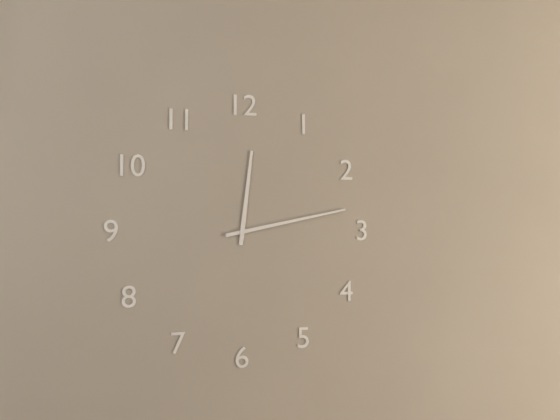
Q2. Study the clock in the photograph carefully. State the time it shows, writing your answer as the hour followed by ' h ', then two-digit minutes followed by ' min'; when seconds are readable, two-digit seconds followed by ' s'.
12 h 13 min
